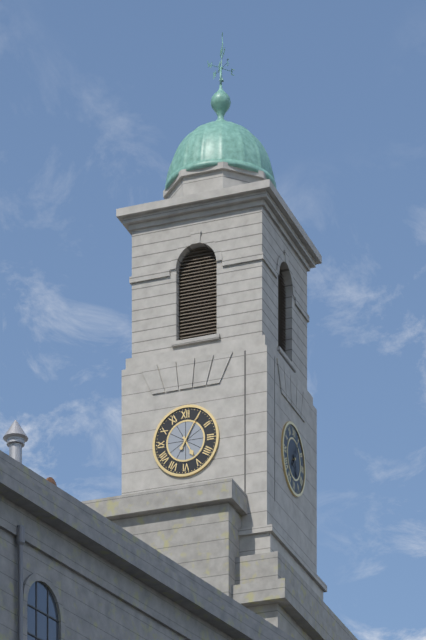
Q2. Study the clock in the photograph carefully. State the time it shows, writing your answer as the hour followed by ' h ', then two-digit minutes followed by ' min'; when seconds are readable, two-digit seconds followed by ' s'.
5 h 05 min
